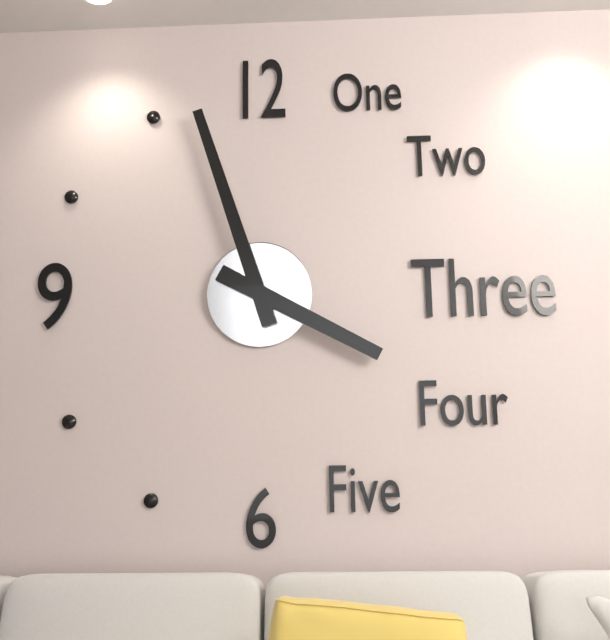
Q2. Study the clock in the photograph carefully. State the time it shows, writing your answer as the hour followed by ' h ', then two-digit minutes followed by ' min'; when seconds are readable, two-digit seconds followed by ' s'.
3 h 57 min
